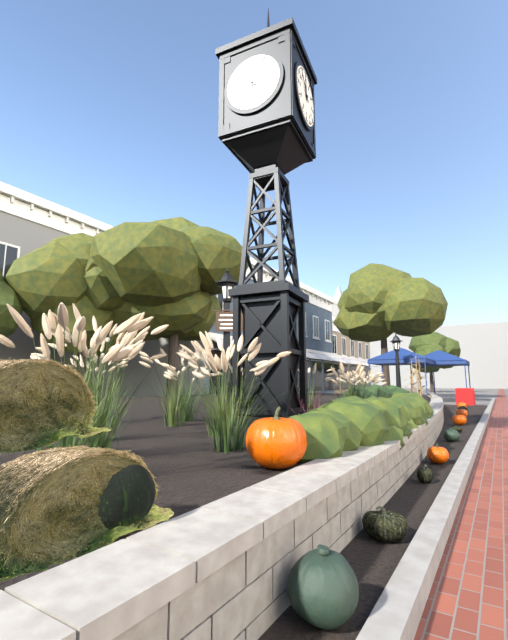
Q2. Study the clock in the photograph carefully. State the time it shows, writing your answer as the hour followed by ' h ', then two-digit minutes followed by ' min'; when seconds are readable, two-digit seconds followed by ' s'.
11 h 53 min
